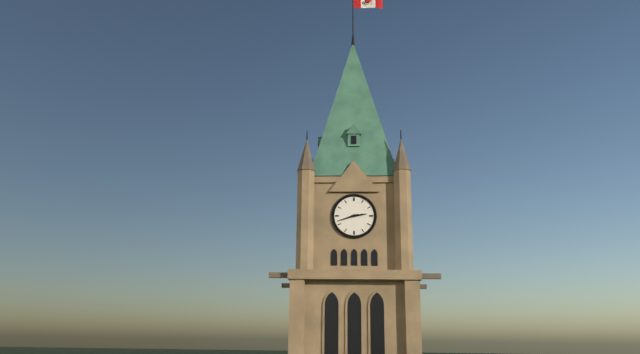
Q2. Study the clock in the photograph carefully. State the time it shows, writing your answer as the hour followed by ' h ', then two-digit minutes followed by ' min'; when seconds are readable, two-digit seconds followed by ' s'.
2 h 42 min
